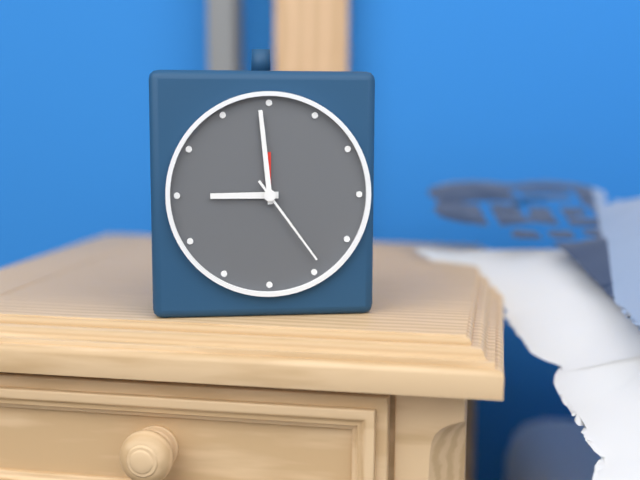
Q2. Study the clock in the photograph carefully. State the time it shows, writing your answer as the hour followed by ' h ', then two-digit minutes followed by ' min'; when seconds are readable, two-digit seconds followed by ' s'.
8 h 59 min 24 s
